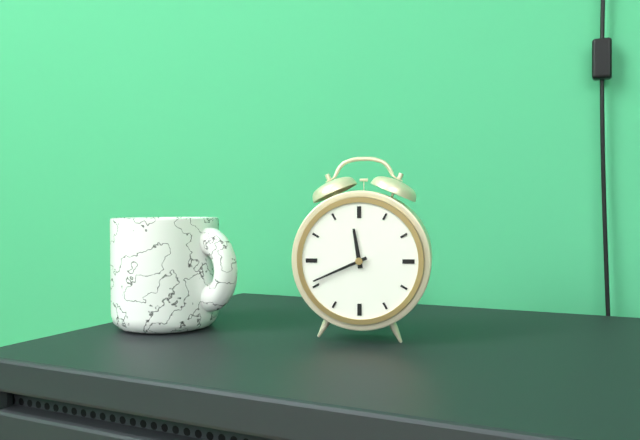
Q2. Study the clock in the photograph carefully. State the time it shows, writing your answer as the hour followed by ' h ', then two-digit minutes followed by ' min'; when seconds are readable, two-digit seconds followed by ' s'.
11 h 41 min
